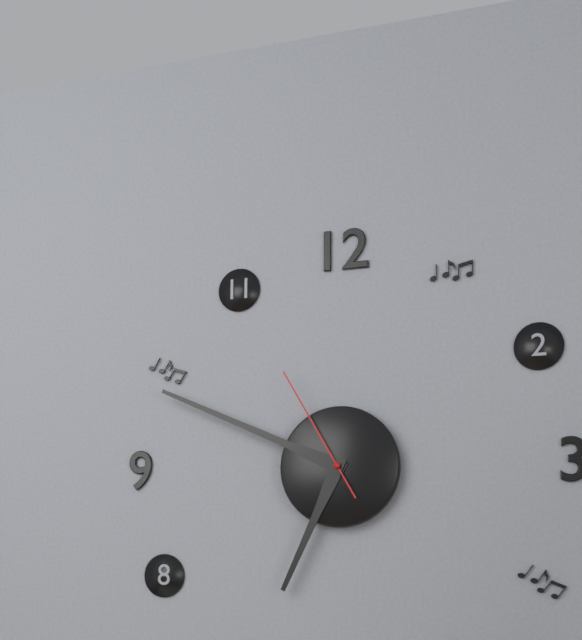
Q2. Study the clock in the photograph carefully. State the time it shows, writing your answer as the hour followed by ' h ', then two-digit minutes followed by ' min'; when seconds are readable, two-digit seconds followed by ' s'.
6 h 49 min 55 s
